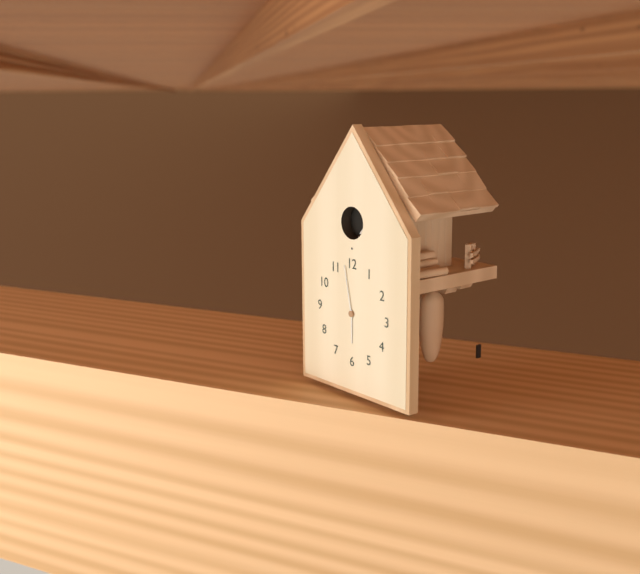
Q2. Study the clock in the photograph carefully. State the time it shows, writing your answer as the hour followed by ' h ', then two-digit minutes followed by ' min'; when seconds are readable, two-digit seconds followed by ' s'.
5 h 58 min
